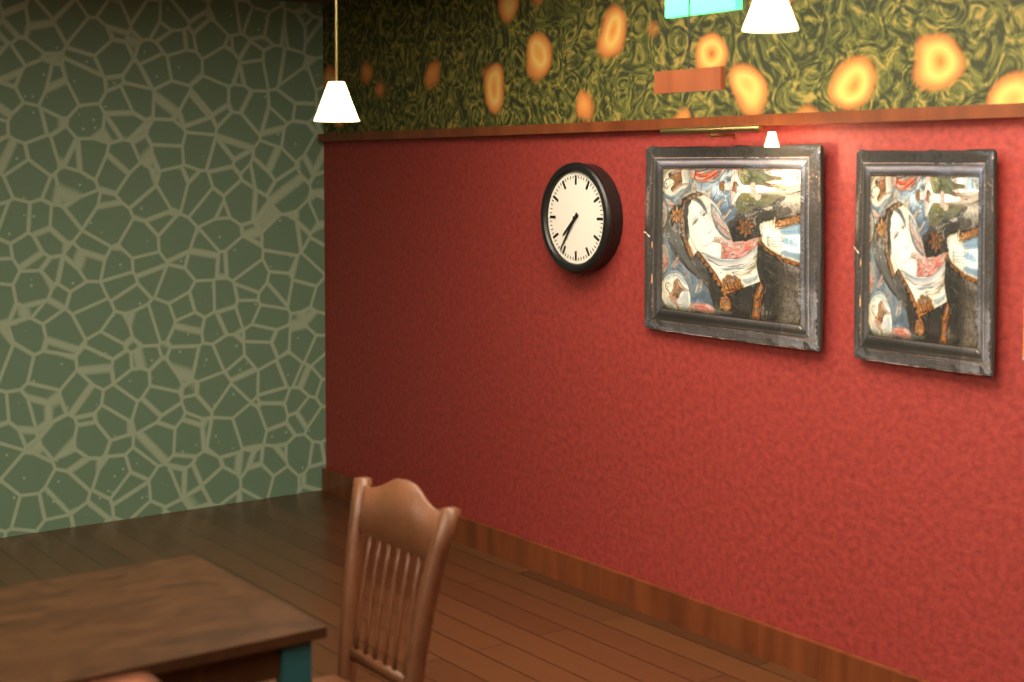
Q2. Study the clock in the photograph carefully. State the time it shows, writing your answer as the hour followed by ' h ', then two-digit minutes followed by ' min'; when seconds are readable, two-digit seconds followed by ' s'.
7 h 36 min
